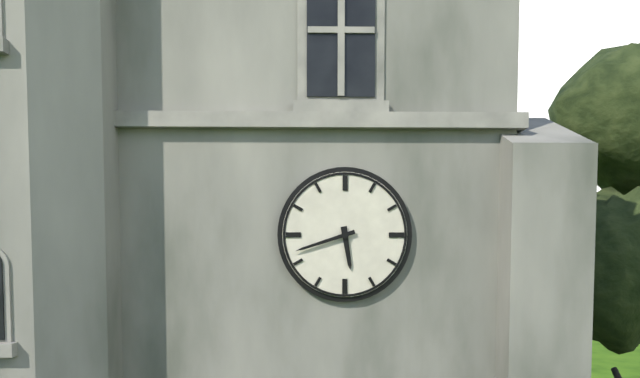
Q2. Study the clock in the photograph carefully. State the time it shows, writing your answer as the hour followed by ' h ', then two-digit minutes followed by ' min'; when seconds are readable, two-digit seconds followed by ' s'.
5 h 42 min
